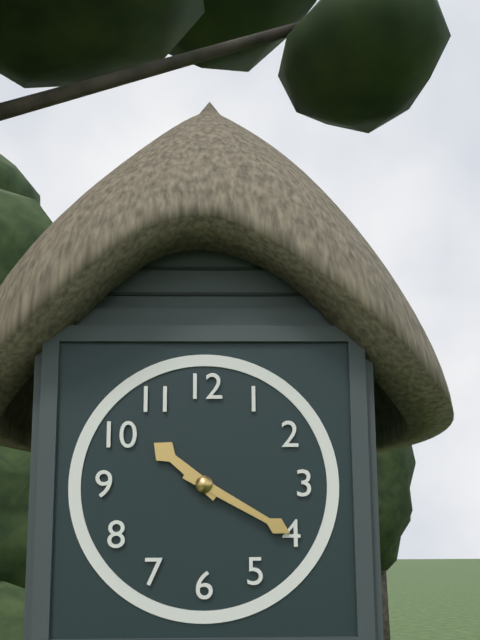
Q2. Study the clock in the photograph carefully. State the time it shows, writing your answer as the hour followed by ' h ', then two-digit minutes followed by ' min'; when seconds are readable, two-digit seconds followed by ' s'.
10 h 20 min
